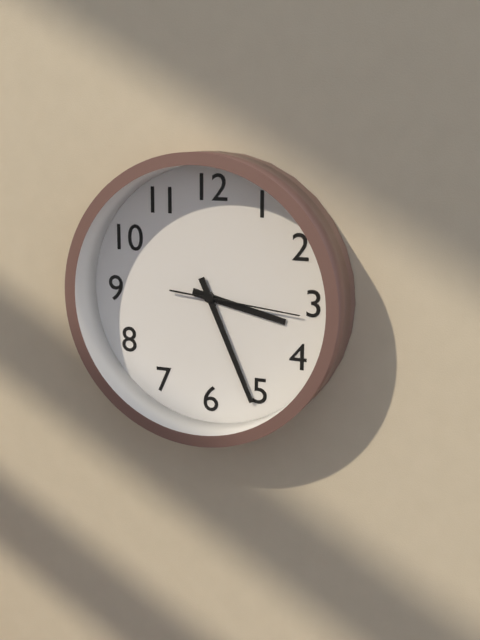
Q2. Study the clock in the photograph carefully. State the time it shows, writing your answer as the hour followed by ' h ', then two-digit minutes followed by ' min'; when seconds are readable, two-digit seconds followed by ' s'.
3 h 26 min 16 s
